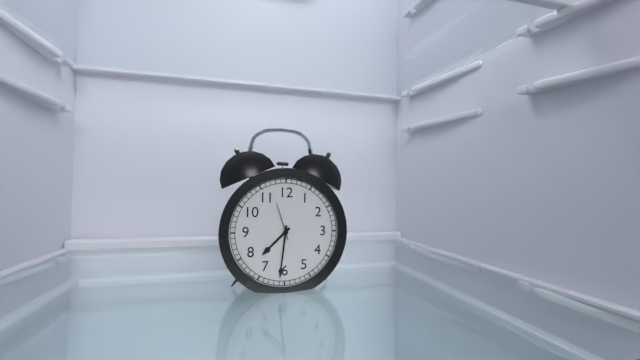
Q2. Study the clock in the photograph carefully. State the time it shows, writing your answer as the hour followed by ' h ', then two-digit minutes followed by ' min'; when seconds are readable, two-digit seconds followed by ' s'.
7 h 31 min
